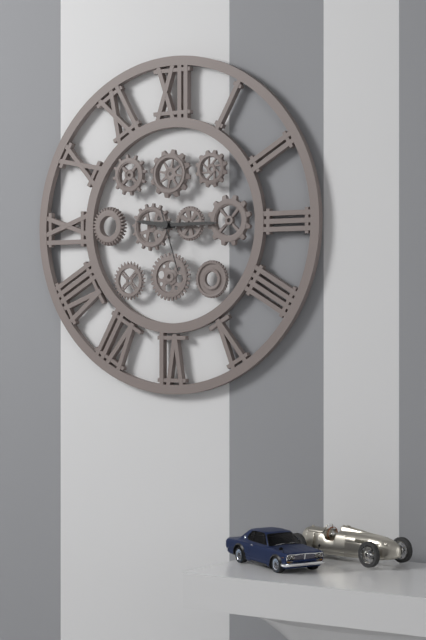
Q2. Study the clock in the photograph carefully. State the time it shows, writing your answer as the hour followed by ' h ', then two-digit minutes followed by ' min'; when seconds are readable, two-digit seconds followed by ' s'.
9 h 15 min 27 s
